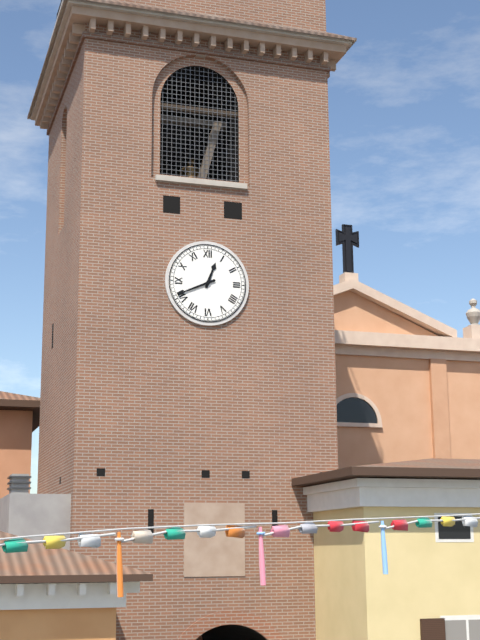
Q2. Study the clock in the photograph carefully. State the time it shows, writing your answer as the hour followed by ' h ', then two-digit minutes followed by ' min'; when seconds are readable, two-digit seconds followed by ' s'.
12 h 41 min
